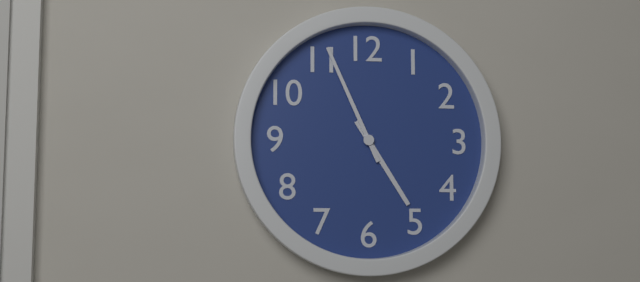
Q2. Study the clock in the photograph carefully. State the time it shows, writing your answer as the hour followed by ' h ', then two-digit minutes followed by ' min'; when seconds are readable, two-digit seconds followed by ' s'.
4 h 56 min
